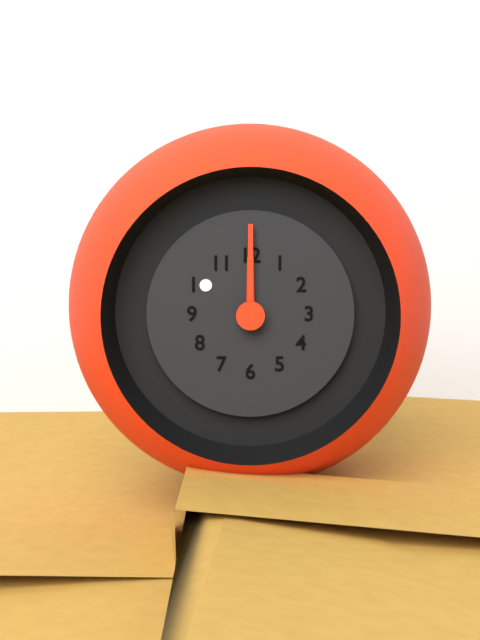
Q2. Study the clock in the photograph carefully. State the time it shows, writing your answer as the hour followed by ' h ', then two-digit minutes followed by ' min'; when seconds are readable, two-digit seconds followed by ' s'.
12 h 00 min
